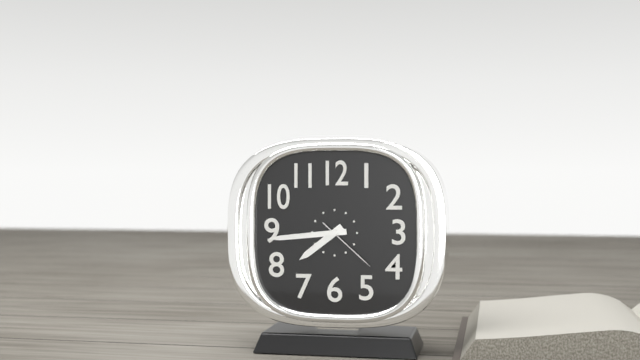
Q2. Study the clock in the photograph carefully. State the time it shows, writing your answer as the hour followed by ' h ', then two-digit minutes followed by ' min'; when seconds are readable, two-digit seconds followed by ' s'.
7 h 44 min 22 s
